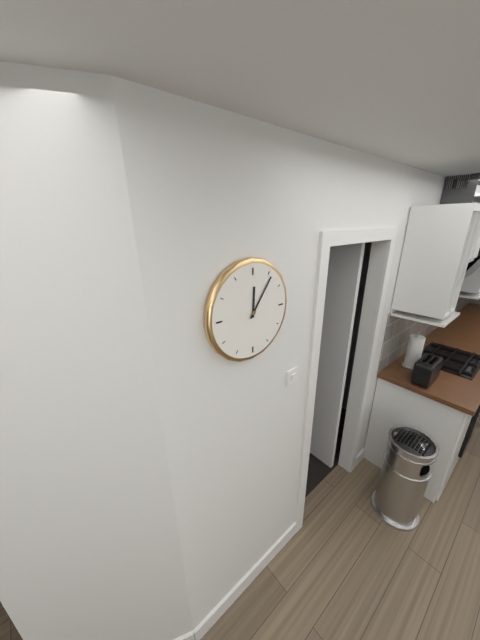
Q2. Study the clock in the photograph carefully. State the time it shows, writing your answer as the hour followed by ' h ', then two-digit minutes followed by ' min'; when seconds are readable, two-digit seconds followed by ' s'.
12 h 06 min
